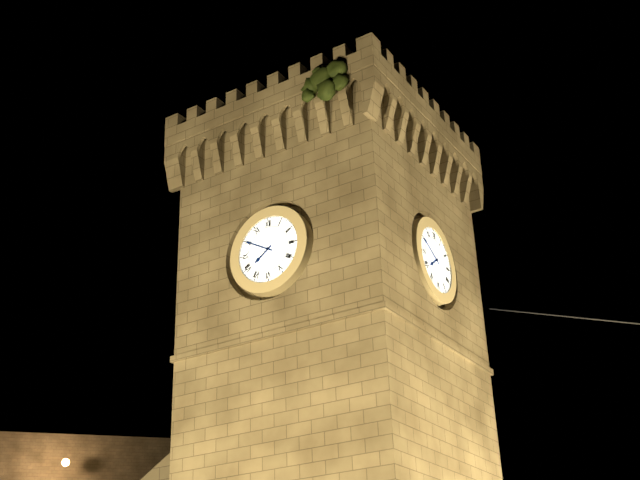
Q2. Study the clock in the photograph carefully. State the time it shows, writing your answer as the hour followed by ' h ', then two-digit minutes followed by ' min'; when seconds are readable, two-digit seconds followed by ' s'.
7 h 50 min
